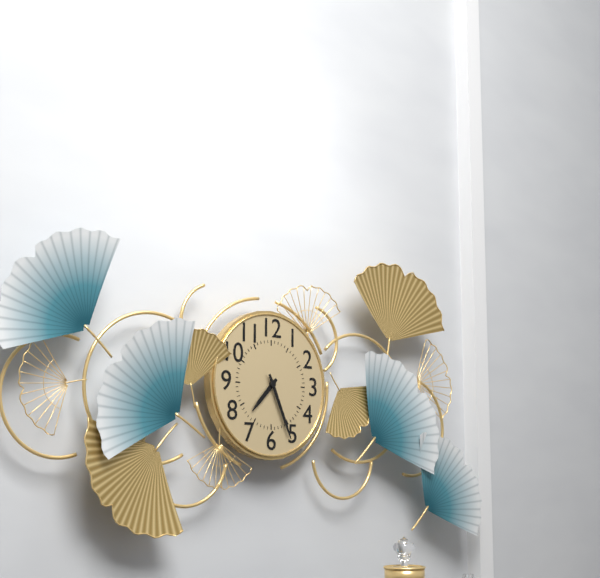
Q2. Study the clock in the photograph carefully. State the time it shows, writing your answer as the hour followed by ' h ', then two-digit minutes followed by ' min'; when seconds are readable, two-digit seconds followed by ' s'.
7 h 26 min
